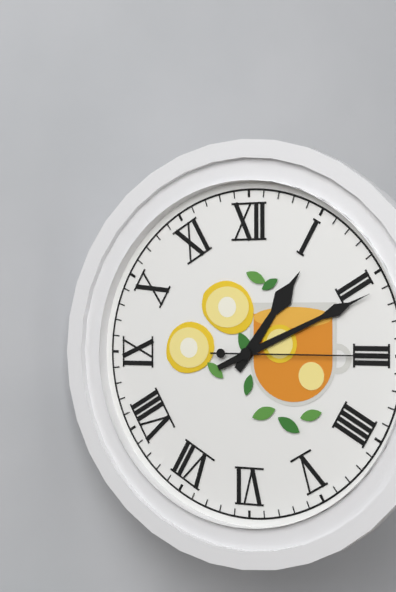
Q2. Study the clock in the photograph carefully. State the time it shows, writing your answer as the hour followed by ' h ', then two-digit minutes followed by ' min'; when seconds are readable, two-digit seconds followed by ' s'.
1 h 11 min 15 s
